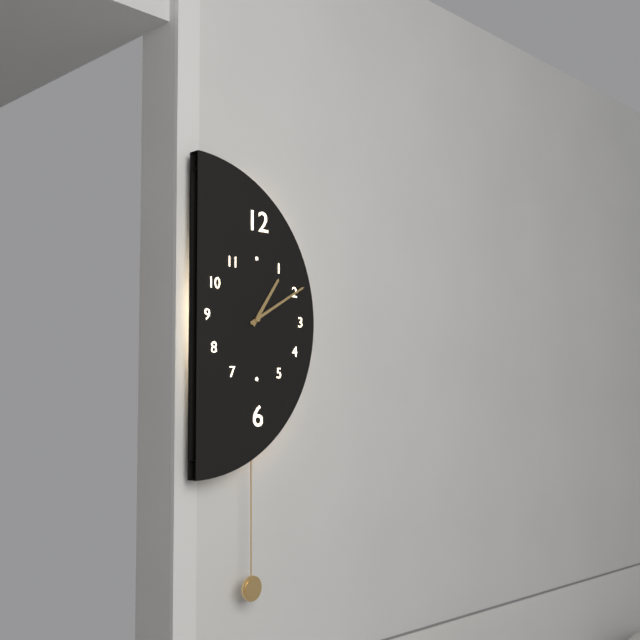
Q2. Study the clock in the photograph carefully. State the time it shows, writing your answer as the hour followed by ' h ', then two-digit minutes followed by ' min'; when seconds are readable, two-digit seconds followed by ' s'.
1 h 10 min
